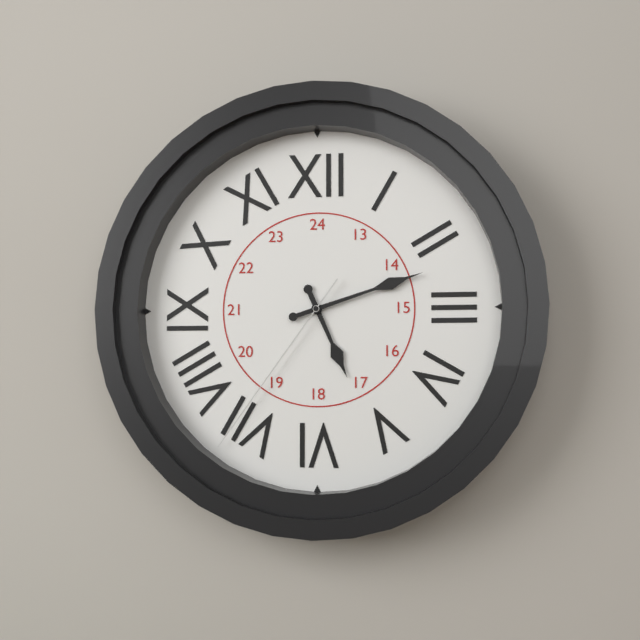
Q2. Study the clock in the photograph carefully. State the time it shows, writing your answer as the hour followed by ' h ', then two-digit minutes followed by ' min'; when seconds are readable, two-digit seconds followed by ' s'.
5 h 12 min 36 s
